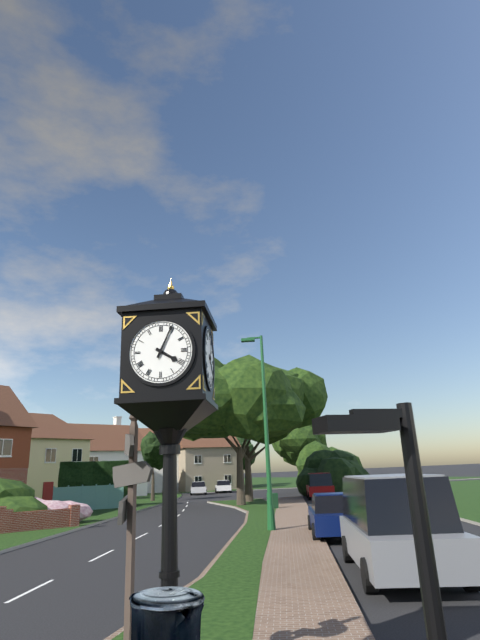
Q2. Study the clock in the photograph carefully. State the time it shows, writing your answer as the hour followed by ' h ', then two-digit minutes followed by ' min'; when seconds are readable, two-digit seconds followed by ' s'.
4 h 04 min
